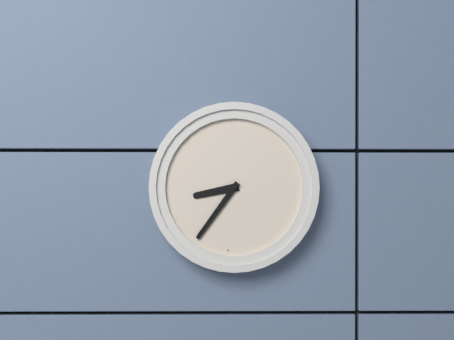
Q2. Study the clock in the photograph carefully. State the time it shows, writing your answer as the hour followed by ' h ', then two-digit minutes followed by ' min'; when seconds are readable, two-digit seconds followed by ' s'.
8 h 36 min
